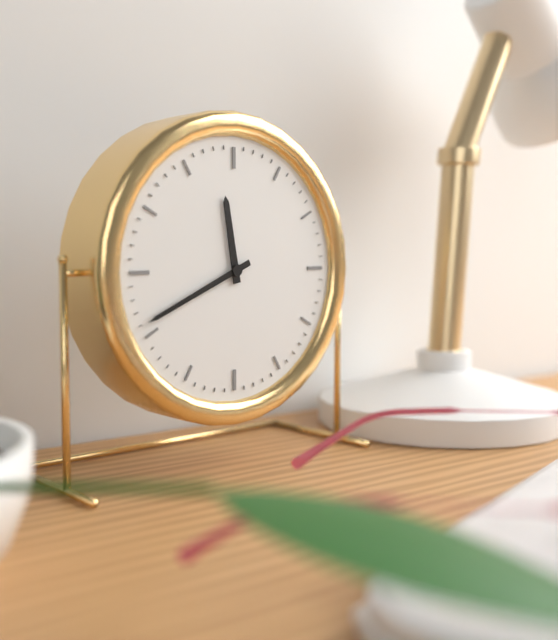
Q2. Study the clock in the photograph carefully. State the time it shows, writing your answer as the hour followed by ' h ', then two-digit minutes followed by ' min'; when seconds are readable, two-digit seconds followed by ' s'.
11 h 41 min
